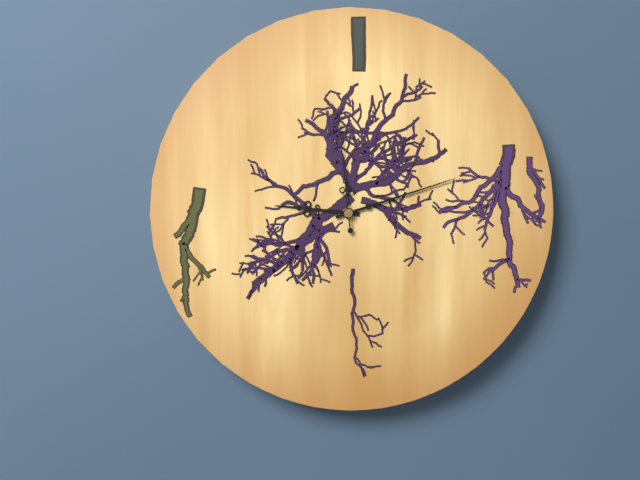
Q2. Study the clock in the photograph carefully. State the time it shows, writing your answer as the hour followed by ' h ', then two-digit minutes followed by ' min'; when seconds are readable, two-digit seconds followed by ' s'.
9 h 12 min 59 s
